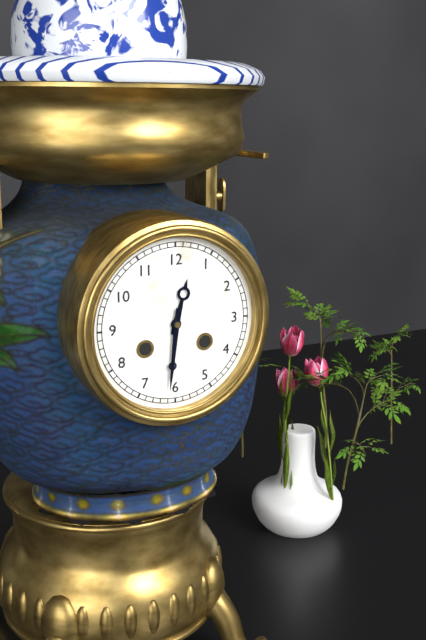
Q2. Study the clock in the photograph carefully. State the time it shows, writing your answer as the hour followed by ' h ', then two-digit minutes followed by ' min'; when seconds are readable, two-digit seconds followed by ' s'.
12 h 31 min
